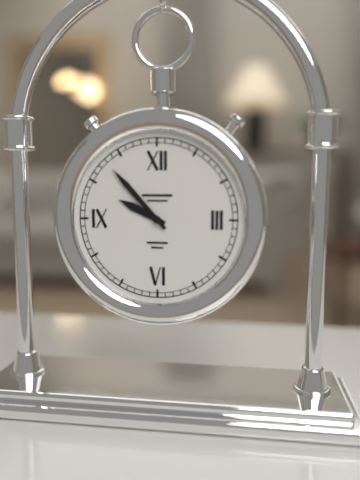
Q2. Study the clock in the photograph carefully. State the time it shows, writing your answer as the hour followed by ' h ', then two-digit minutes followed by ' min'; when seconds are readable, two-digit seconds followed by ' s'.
9 h 53 min
